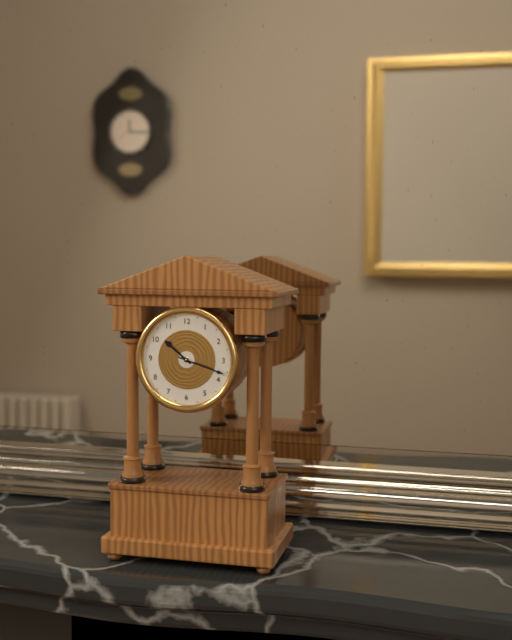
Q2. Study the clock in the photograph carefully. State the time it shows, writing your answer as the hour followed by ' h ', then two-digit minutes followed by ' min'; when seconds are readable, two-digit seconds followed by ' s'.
10 h 18 min
